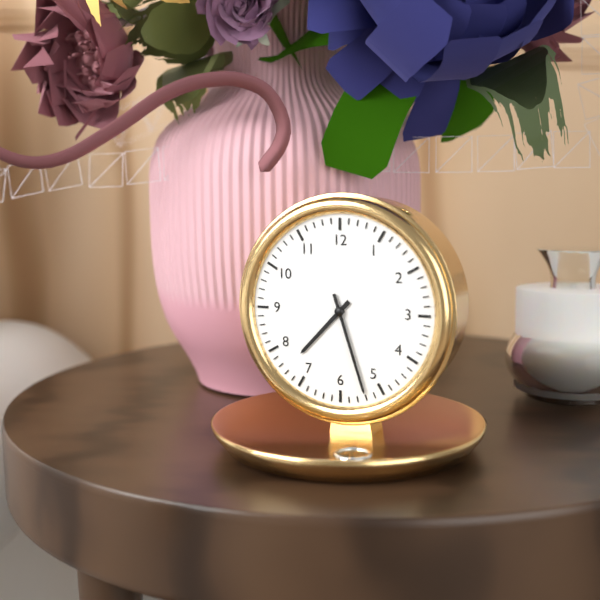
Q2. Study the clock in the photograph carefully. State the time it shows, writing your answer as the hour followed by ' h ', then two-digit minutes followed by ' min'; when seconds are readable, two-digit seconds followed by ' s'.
7 h 27 min
